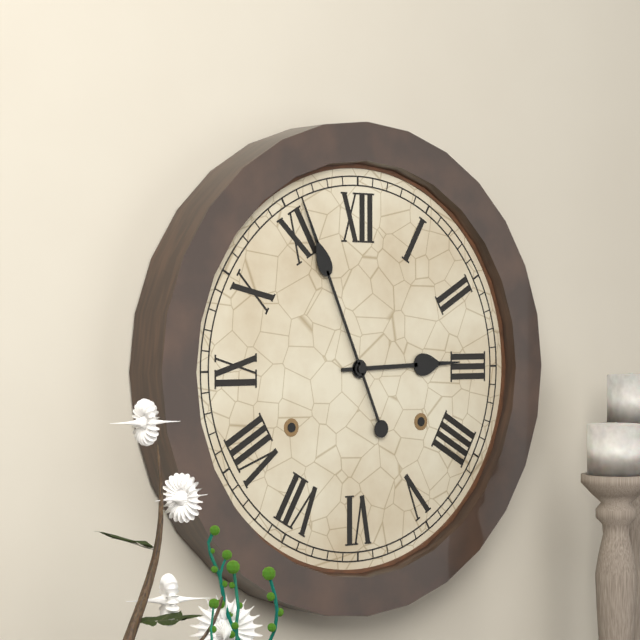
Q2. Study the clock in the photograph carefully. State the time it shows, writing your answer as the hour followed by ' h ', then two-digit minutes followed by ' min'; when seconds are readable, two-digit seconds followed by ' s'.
2 h 56 min
